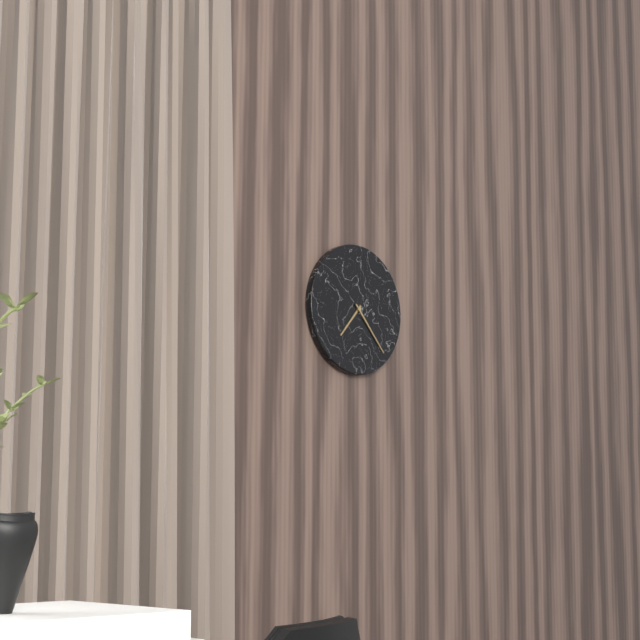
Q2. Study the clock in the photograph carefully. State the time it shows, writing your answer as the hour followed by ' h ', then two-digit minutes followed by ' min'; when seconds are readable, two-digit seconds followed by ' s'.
7 h 23 min
